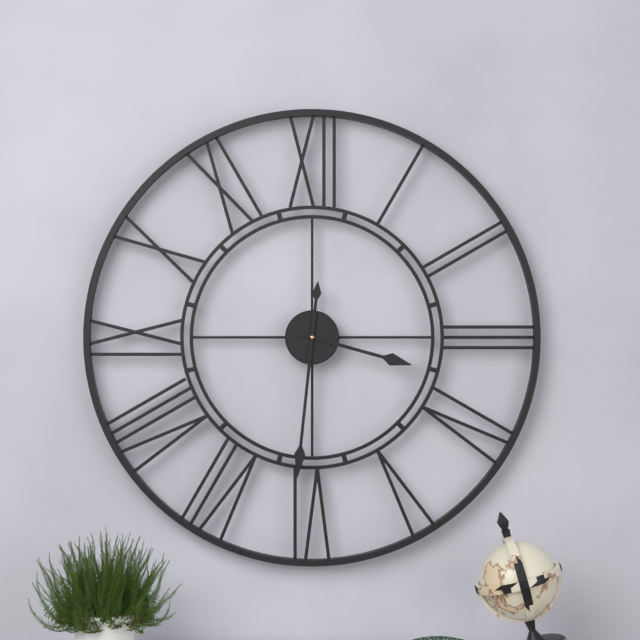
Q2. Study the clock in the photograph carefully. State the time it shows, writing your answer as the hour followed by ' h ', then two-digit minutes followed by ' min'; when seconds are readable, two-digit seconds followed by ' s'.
3 h 31 min
